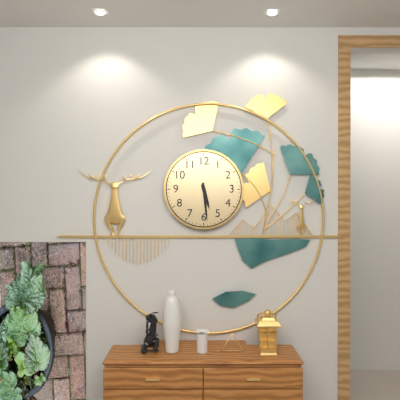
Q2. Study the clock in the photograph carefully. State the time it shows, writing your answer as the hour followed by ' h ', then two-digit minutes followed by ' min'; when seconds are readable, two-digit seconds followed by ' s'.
5 h 29 min
